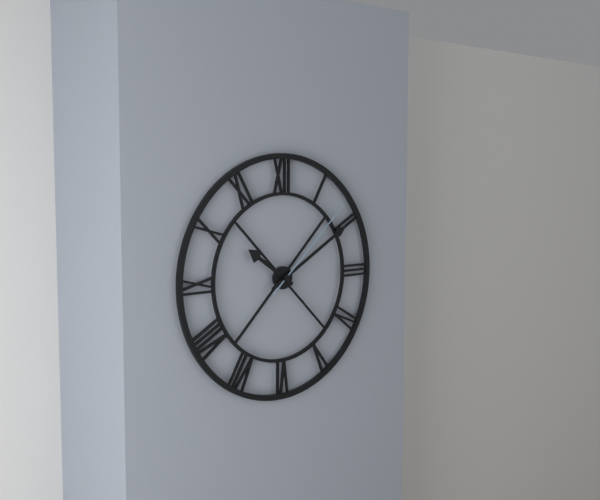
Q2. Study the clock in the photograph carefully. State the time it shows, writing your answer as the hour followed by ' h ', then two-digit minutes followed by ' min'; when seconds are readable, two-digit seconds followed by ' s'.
10 h 10 min 08 s
